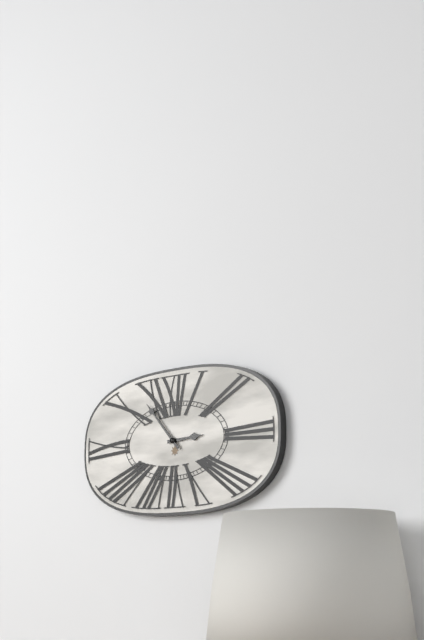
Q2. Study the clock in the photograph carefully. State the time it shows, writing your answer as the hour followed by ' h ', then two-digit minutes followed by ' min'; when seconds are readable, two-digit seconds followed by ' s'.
2 h 53 min
